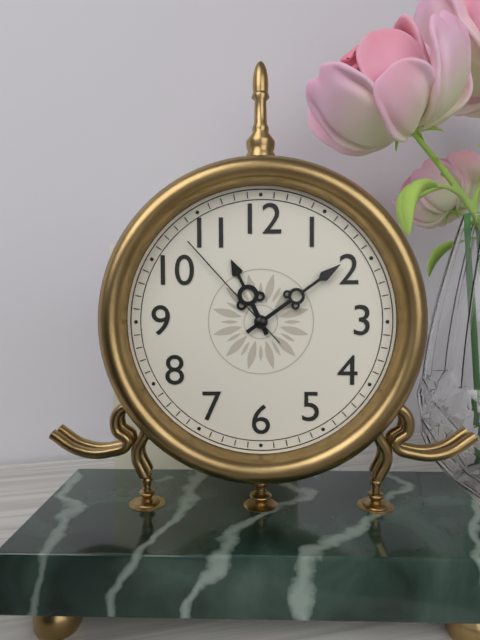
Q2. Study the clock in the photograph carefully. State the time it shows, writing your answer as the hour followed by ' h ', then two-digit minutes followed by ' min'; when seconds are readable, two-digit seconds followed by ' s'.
11 h 09 min 53 s
